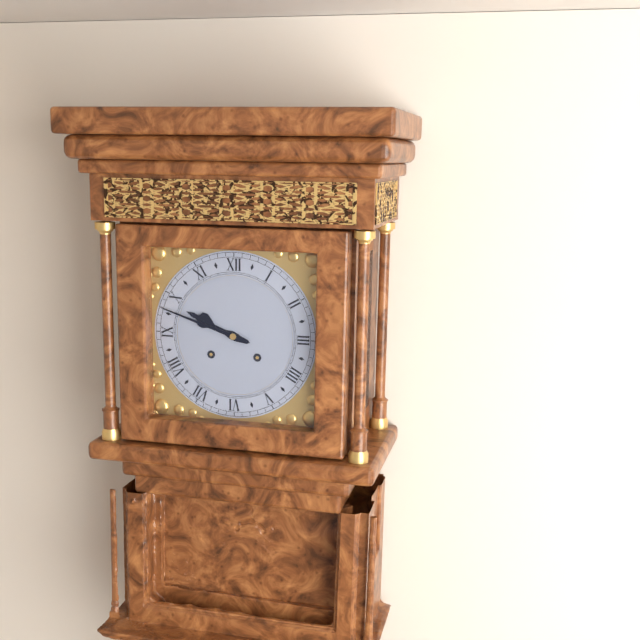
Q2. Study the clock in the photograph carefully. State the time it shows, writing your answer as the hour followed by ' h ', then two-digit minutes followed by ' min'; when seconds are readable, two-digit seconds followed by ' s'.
9 h 48 min
